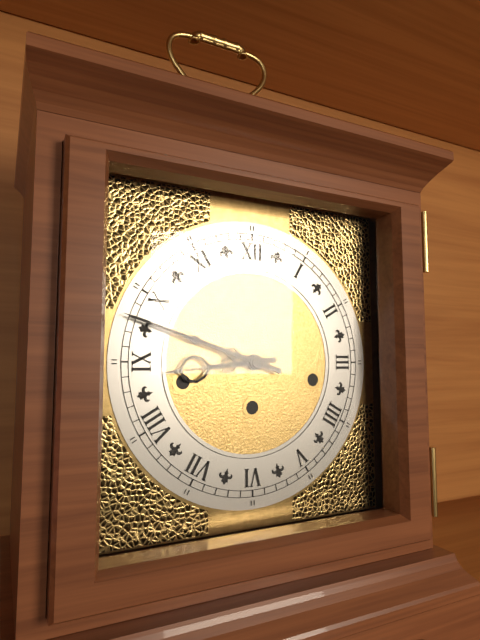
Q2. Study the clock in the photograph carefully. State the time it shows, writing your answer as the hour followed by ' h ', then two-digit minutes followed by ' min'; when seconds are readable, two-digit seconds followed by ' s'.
8 h 48 min
